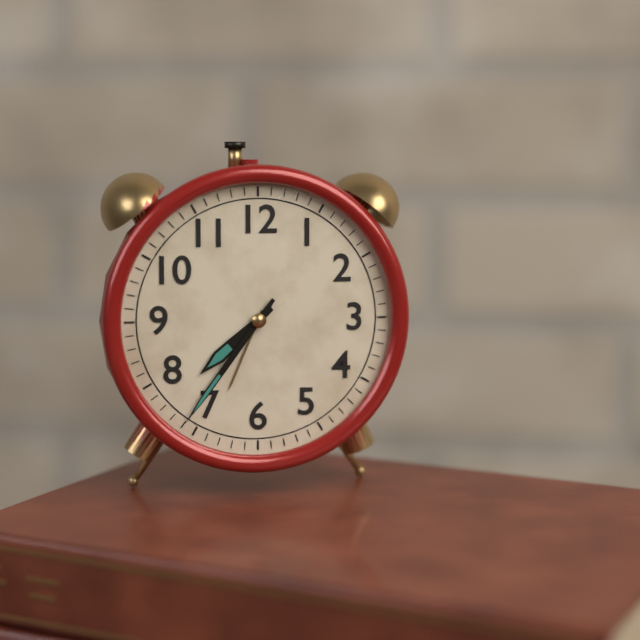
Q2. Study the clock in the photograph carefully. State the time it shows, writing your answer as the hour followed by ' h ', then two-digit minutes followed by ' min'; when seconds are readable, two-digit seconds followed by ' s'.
7 h 36 min
